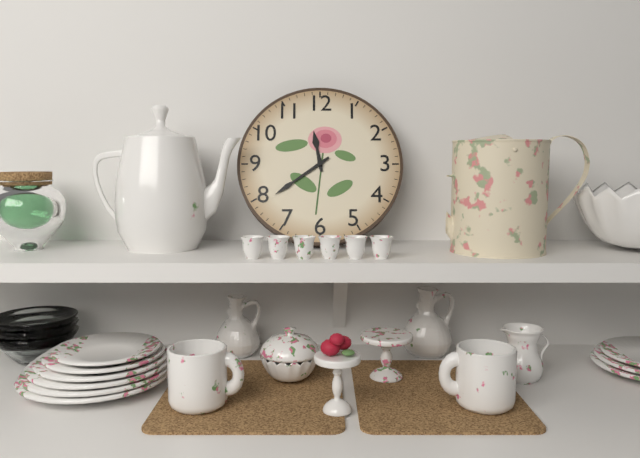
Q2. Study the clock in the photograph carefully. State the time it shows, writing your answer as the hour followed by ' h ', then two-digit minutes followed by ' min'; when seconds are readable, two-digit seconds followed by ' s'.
11 h 39 min
